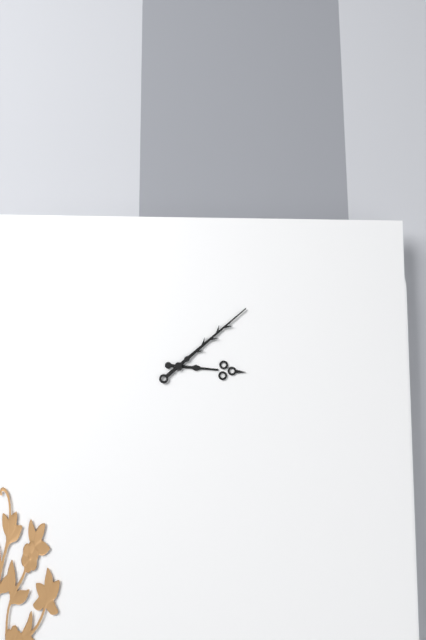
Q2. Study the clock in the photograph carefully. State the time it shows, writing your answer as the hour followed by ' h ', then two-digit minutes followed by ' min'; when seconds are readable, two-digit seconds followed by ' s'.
3 h 08 min
